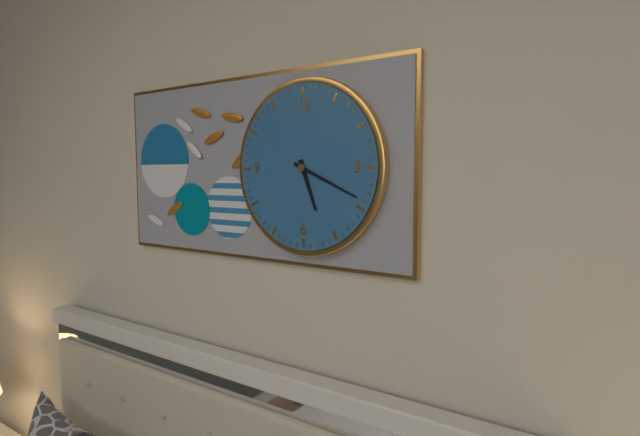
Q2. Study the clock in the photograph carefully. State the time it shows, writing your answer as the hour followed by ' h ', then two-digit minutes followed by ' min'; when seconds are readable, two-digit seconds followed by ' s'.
5 h 19 min
